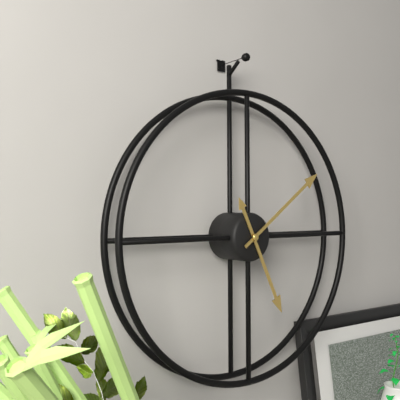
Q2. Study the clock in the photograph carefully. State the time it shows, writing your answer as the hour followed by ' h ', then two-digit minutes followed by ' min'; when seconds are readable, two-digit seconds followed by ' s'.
5 h 09 min
